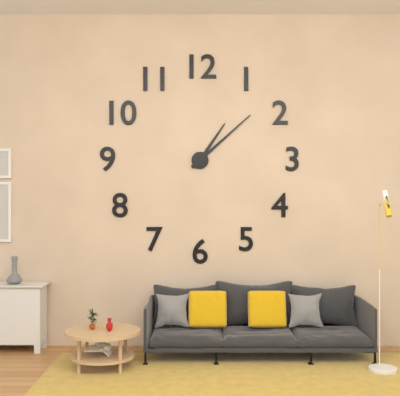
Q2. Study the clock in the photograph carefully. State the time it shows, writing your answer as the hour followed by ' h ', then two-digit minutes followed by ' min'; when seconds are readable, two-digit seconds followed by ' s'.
1 h 08 min
